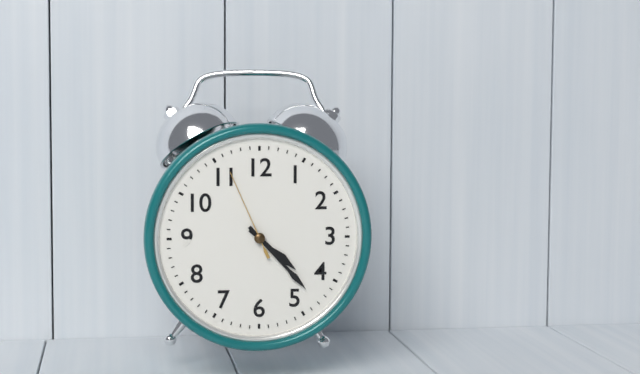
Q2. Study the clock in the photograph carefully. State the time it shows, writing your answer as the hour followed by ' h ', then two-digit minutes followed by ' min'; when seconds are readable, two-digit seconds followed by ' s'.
4 h 23 min 56 s
